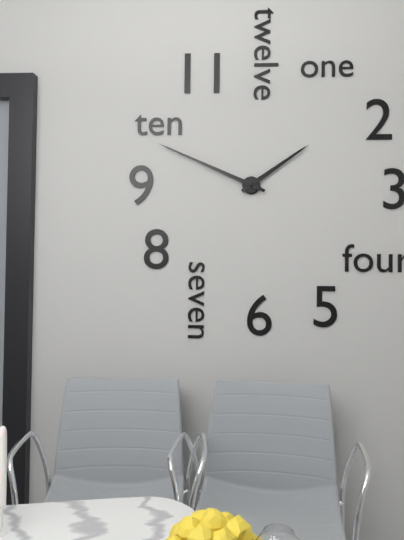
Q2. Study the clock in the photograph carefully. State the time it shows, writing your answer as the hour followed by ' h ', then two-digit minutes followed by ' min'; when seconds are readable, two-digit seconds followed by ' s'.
1 h 49 min
